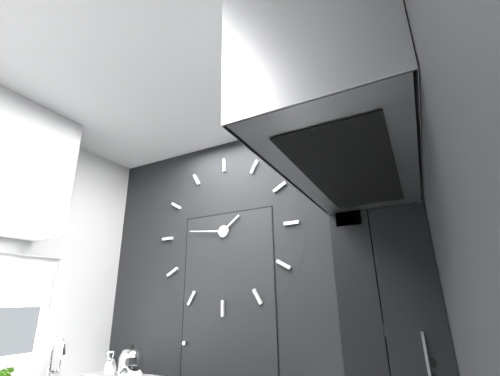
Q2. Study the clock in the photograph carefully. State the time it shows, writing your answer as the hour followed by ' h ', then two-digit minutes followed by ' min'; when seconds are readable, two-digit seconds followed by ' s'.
1 h 46 min
